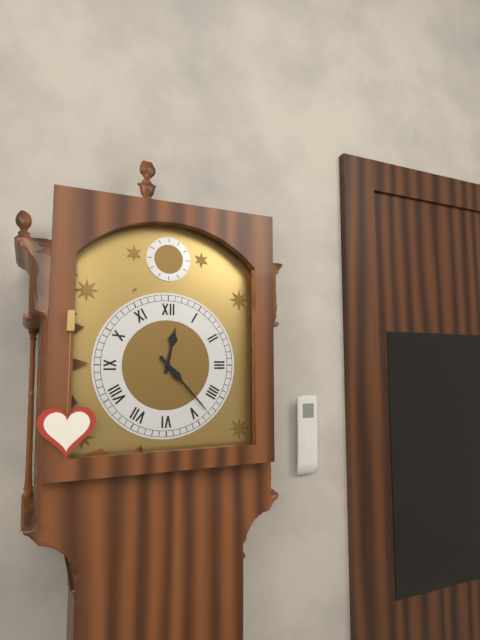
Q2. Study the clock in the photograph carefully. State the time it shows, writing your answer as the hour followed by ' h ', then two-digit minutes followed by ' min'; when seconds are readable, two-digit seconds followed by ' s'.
12 h 23 min
